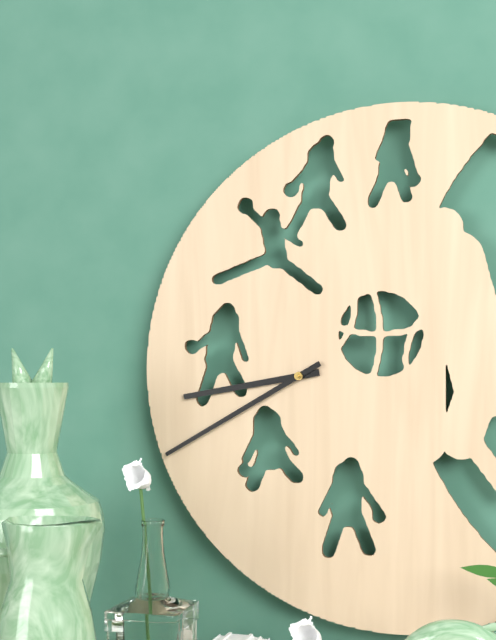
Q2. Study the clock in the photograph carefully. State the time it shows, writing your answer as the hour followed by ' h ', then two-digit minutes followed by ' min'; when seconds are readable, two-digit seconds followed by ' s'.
8 h 40 min
